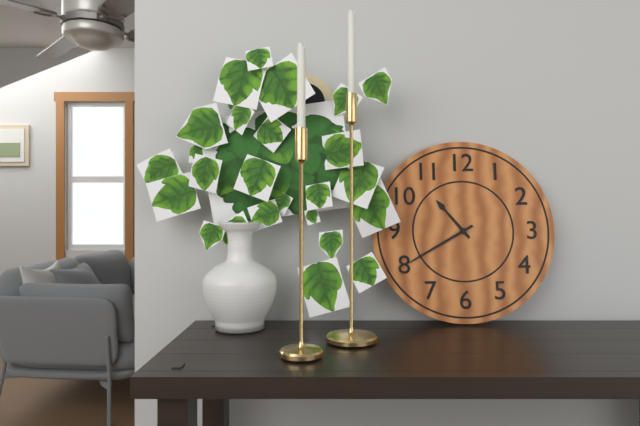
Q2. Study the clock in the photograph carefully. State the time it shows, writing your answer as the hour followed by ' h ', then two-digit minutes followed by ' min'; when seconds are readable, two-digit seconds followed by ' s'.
10 h 40 min
